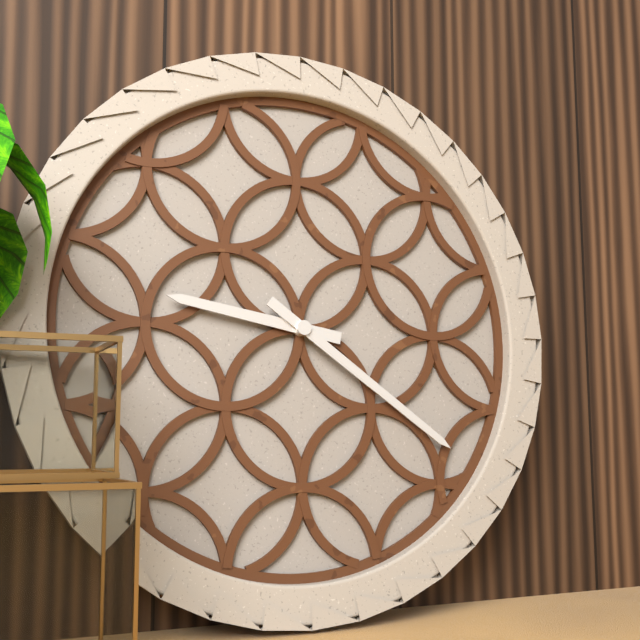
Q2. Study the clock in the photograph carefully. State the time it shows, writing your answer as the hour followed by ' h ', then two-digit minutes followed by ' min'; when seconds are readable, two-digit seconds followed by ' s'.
9 h 21 min
